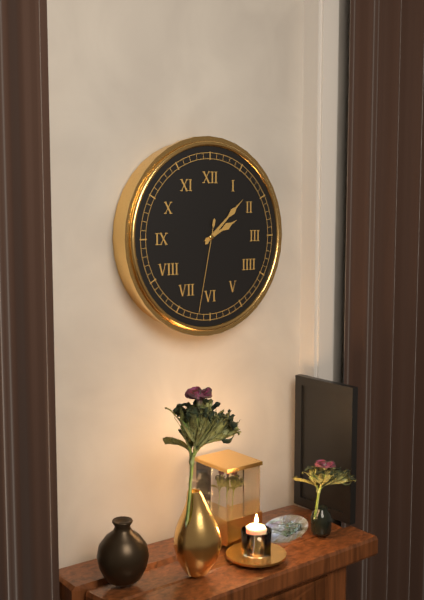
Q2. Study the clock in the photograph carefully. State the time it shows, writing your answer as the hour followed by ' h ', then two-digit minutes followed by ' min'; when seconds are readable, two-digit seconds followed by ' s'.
2 h 08 min 32 s
